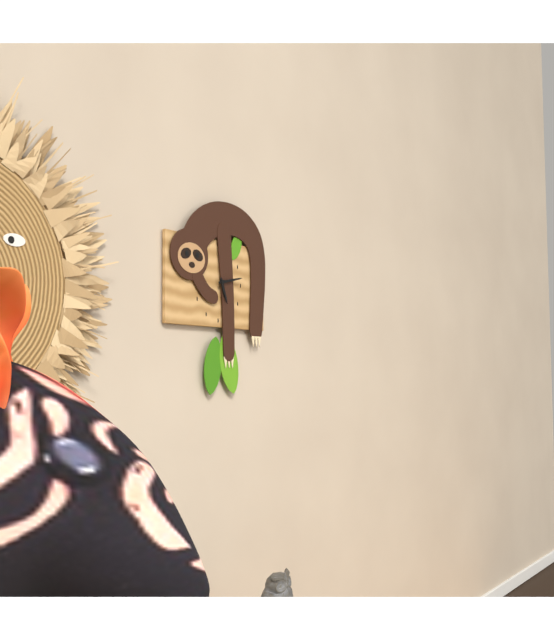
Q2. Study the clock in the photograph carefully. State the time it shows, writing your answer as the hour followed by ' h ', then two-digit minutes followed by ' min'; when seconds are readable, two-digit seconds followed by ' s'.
5 h 13 min
